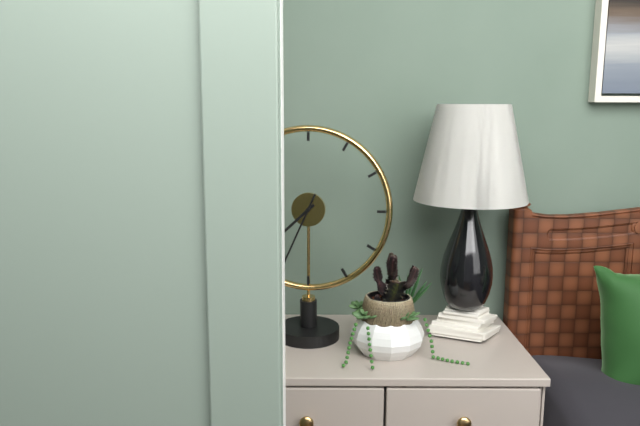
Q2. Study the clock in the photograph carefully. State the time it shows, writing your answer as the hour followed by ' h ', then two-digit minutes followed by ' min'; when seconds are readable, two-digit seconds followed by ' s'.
7 h 34 min
